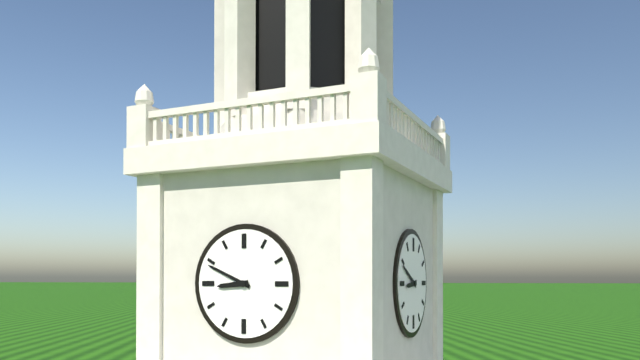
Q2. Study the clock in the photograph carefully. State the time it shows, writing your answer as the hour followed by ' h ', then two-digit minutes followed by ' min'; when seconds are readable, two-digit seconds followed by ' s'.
8 h 49 min
